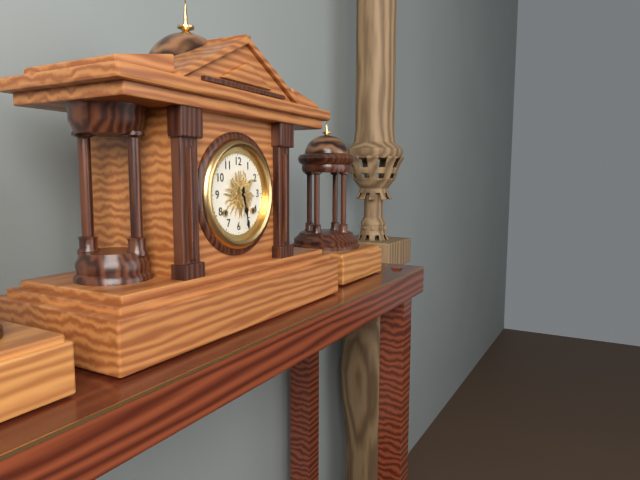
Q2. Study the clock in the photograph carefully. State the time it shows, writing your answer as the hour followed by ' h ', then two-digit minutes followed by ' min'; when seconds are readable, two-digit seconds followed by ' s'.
5 h 28 min
